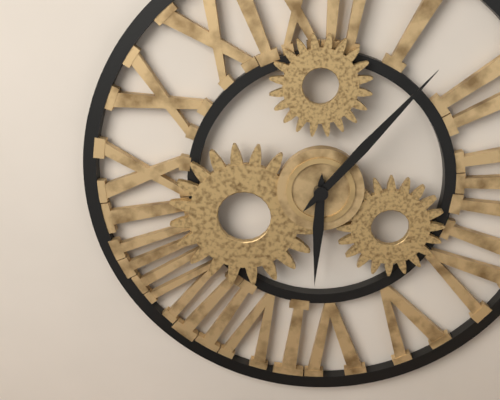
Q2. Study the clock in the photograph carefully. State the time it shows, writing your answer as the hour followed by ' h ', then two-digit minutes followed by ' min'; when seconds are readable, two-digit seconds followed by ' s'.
6 h 07 min
